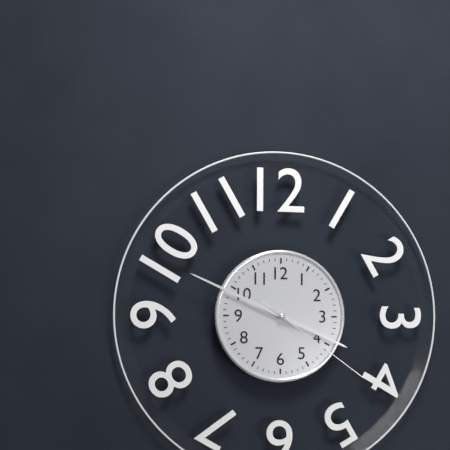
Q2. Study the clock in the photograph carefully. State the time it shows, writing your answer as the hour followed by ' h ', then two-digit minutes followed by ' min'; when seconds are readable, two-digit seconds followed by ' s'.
3 h 49 min 21 s
